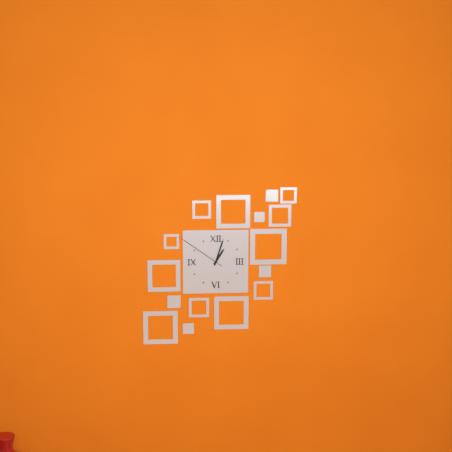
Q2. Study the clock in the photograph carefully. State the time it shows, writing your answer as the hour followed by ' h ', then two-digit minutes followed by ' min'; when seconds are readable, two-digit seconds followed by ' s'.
1 h 03 min 51 s
